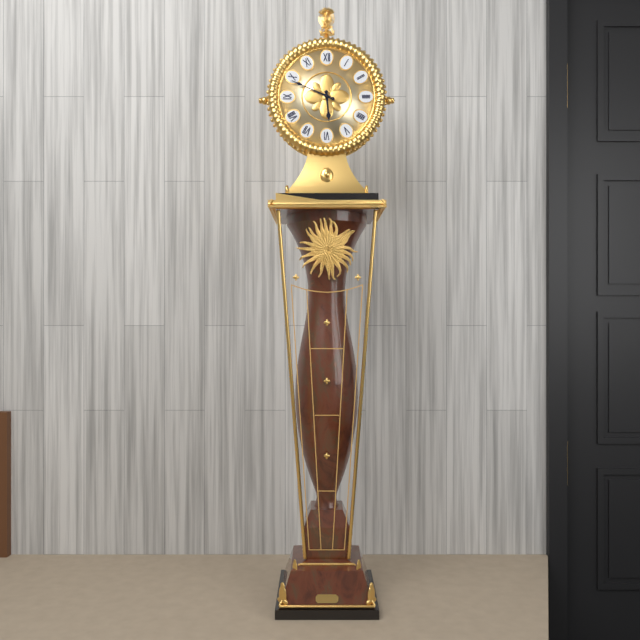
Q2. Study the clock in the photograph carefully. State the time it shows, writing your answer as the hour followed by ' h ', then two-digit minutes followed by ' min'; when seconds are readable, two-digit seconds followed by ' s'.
5 h 49 min
